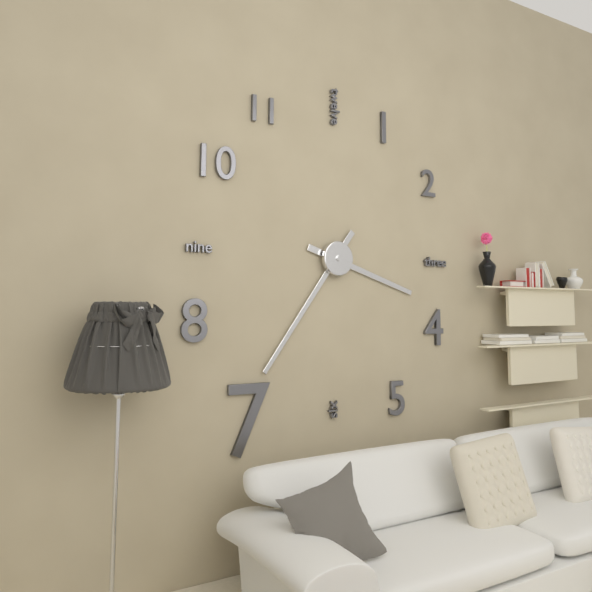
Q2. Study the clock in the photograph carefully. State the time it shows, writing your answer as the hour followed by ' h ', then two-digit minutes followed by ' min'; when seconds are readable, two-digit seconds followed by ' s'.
3 h 36 min
